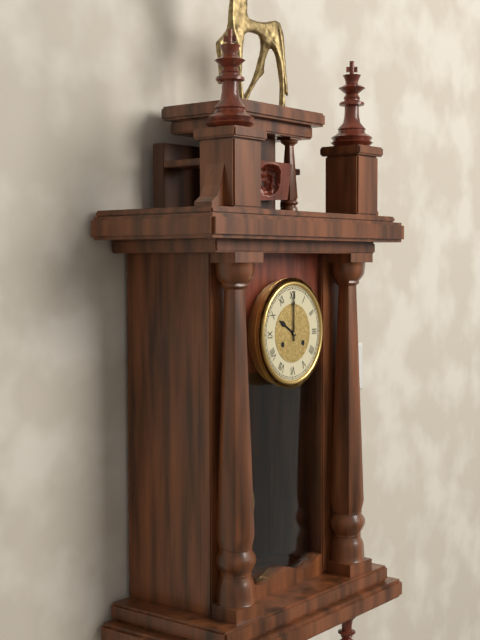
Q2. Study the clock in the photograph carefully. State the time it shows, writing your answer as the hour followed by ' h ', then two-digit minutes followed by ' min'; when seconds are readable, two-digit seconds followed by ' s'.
10 h 00 min
